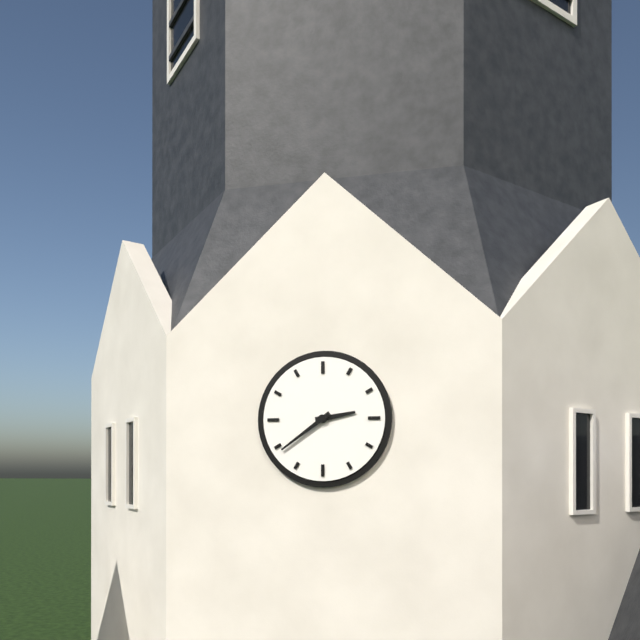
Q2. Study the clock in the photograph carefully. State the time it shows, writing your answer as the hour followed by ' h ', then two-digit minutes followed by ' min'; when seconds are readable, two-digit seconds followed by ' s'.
2 h 39 min
